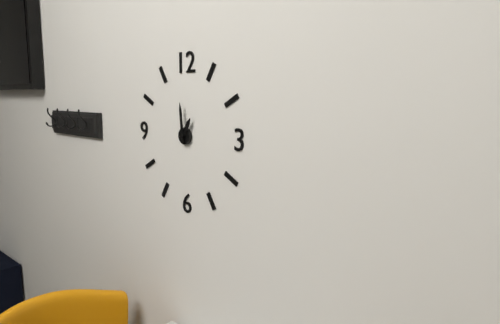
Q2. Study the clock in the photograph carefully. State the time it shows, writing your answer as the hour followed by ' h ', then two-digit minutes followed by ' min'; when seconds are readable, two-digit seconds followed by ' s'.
12 h 59 min
